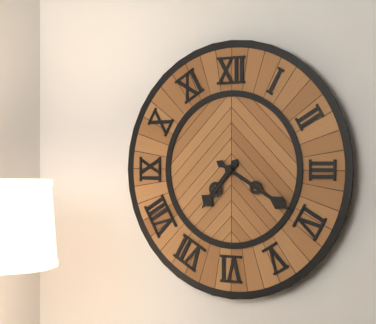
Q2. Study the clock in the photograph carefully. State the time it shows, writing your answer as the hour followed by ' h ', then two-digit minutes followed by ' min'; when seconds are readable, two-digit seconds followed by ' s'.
7 h 20 min
